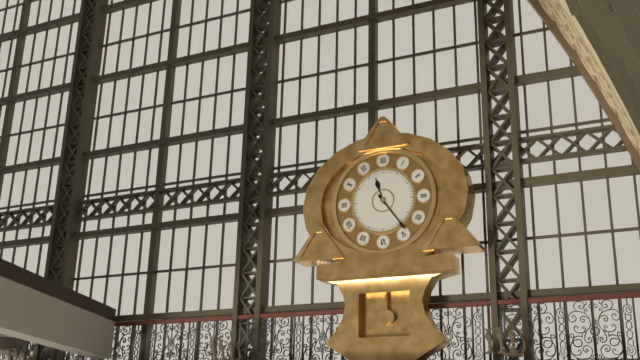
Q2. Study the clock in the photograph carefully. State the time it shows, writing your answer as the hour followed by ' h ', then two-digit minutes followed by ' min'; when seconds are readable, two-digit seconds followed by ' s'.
11 h 24 min
